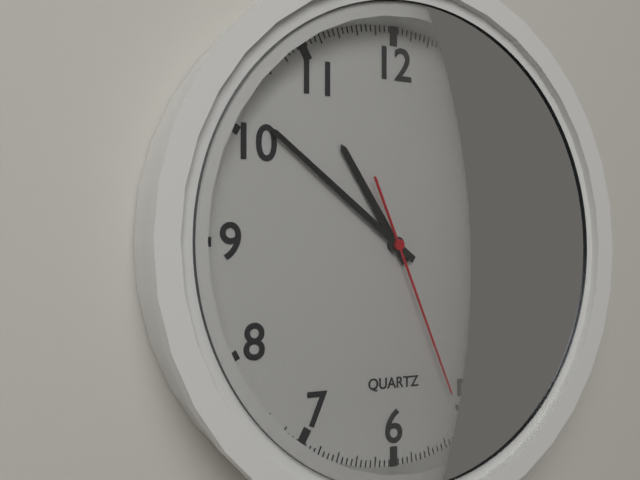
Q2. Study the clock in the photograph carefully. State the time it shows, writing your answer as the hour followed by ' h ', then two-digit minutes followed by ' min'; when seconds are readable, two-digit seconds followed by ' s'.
10 h 51 min 26 s
